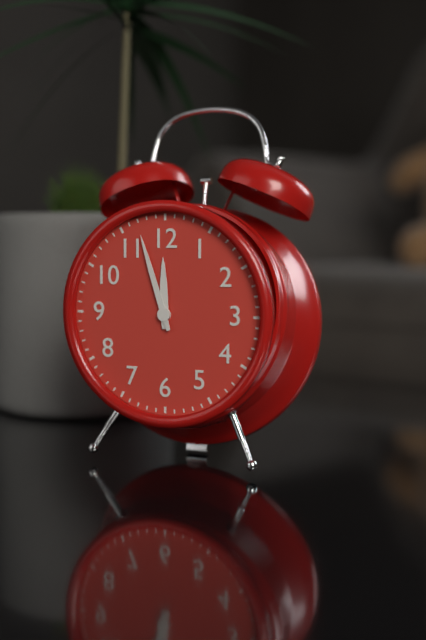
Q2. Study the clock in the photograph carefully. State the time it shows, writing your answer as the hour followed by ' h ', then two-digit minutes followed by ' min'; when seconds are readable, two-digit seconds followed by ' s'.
11 h 57 min
